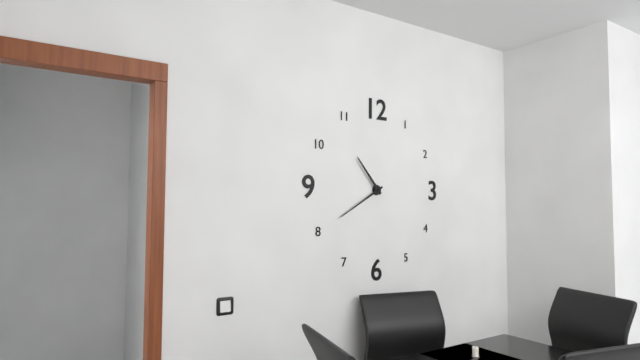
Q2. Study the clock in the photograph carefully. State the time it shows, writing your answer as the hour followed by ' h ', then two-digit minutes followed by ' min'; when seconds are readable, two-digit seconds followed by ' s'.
10 h 40 min
